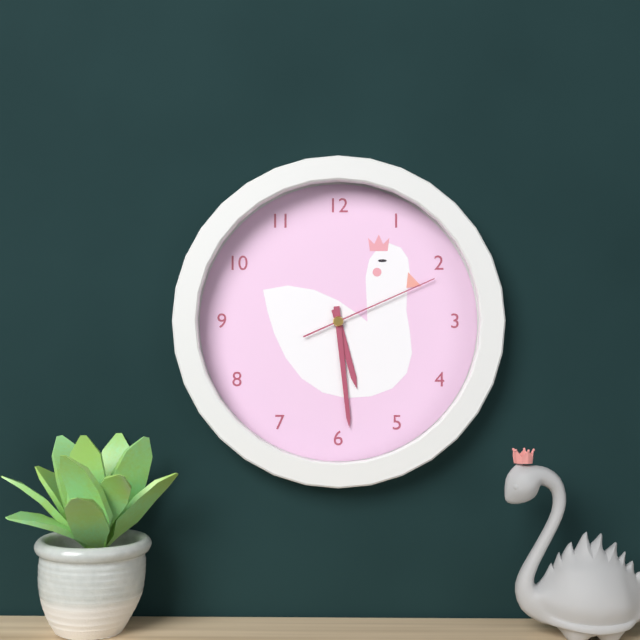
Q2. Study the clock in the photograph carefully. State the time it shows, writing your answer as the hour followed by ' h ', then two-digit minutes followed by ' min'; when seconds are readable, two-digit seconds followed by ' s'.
5 h 29 min 11 s
